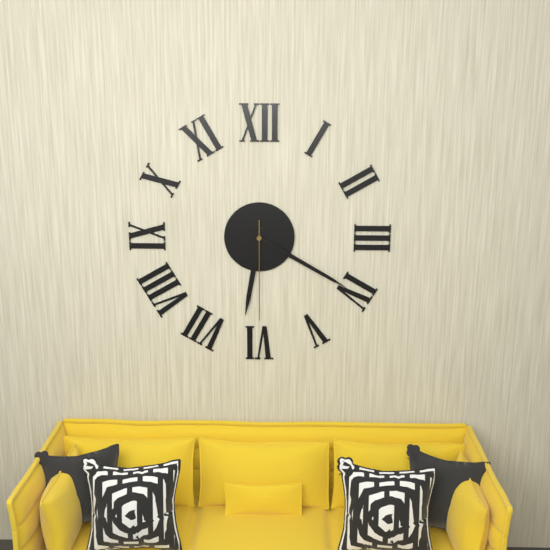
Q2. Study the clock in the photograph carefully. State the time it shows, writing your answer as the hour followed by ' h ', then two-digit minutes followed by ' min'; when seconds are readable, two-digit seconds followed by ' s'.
6 h 20 min 30 s
